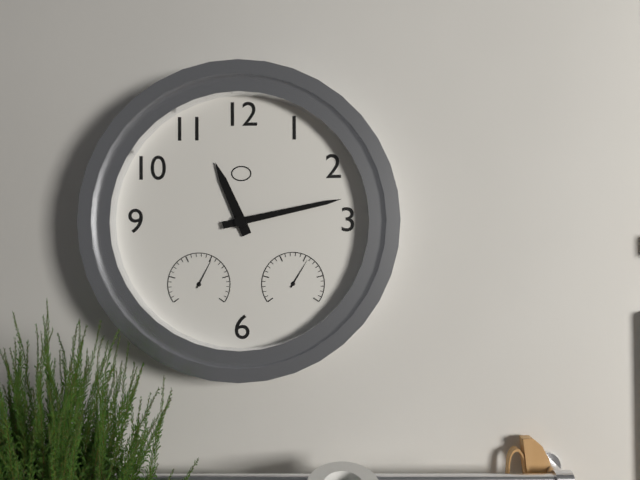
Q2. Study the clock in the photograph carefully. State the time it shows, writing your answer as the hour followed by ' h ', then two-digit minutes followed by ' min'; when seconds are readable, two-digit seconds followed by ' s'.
11 h 13 min
